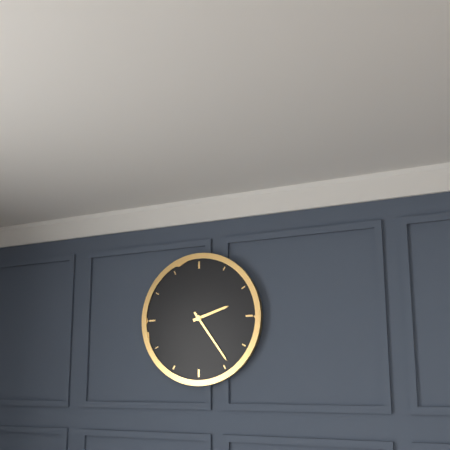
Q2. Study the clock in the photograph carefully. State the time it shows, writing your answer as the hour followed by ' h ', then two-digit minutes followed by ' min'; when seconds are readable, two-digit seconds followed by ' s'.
2 h 24 min
